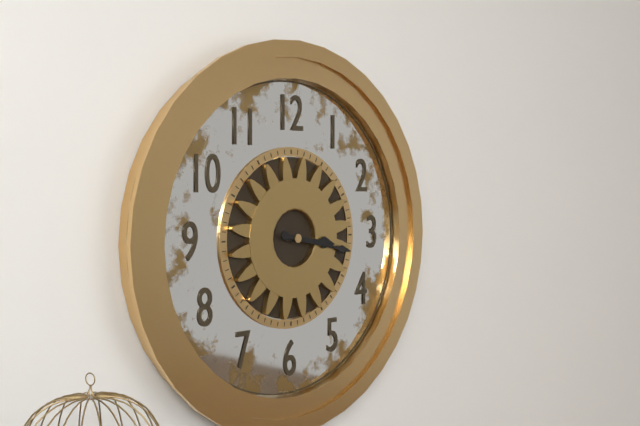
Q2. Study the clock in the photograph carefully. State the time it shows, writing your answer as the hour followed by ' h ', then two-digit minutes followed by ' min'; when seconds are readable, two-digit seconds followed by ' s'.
3 h 17 min
